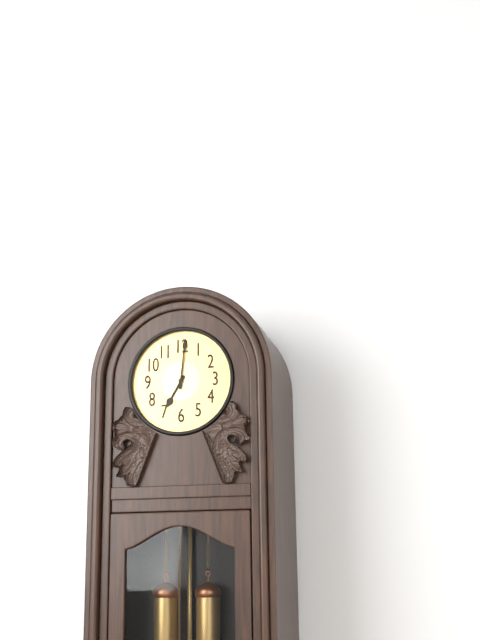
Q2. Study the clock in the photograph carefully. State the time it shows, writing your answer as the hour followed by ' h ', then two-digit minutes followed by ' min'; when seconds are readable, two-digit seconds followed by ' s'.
7 h 01 min
